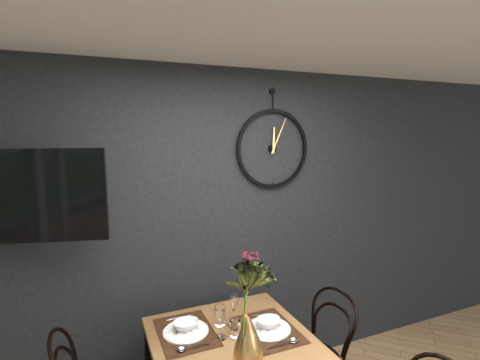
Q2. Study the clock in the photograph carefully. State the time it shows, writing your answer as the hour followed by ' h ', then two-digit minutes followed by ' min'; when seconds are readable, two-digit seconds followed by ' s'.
12 h 04 min
